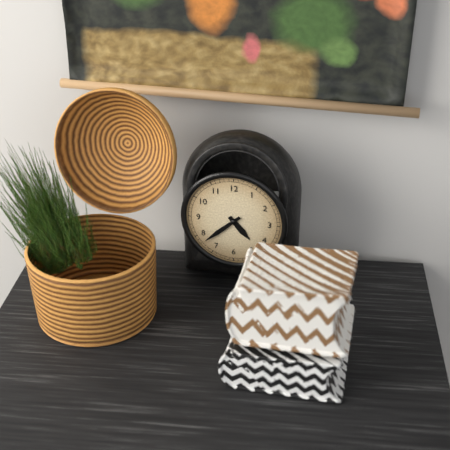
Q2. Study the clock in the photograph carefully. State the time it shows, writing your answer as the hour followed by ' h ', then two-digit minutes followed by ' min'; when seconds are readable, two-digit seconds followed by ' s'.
4 h 38 min
